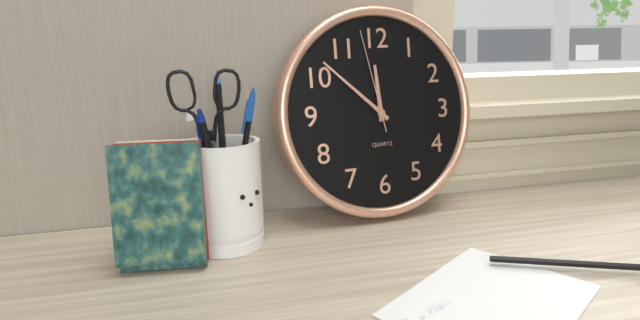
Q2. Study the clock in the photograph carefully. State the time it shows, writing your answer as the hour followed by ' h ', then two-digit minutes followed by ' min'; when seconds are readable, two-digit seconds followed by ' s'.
11 h 52 min 58 s
